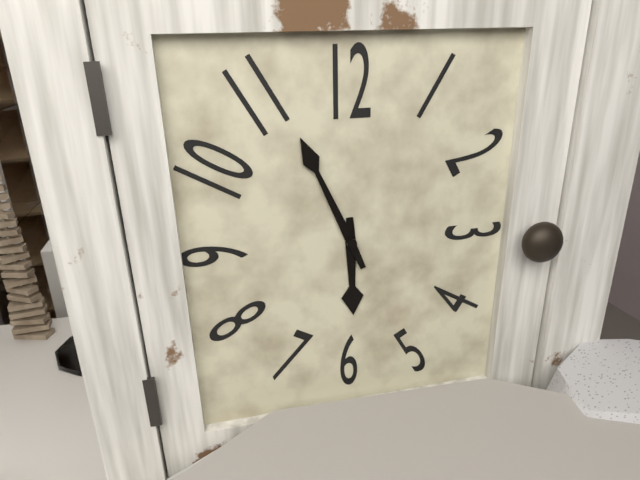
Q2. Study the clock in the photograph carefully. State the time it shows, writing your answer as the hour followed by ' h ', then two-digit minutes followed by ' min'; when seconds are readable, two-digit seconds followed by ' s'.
5 h 56 min
